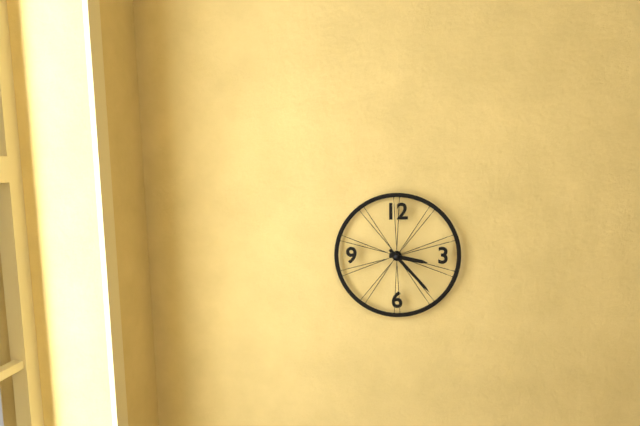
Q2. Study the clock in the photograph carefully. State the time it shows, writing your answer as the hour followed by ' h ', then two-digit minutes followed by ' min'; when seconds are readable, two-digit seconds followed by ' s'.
3 h 23 min
